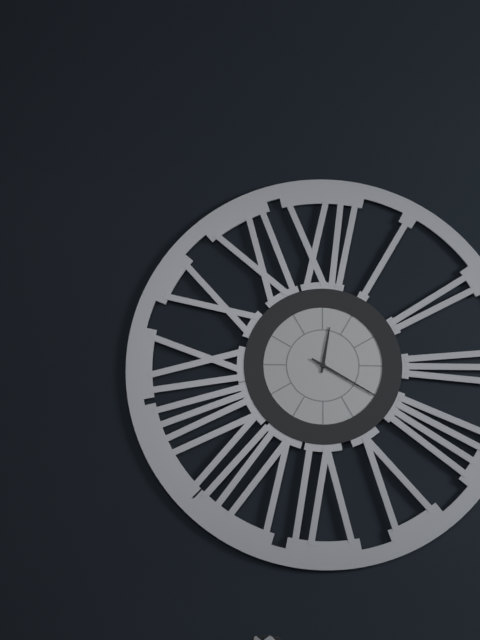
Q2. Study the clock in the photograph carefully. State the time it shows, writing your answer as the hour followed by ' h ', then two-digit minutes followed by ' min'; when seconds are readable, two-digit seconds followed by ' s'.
12 h 20 min
